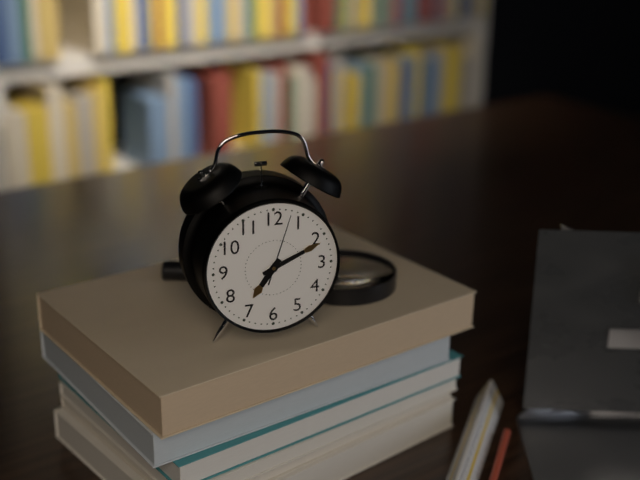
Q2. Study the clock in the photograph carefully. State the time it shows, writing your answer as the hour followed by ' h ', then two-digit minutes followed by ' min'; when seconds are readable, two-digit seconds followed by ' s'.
7 h 11 min 03 s
